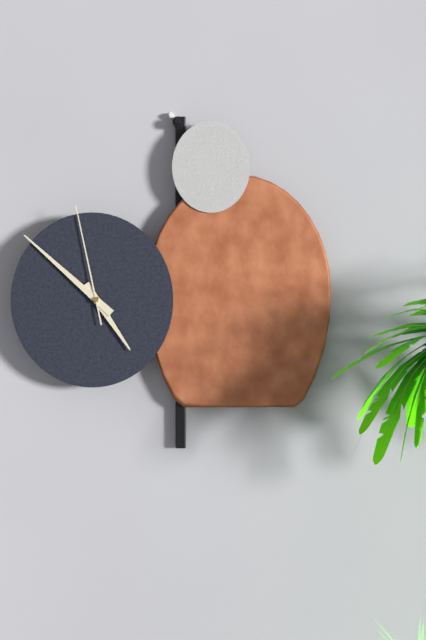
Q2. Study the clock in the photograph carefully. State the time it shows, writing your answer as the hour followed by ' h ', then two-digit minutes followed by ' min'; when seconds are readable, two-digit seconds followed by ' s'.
4 h 52 min 58 s
